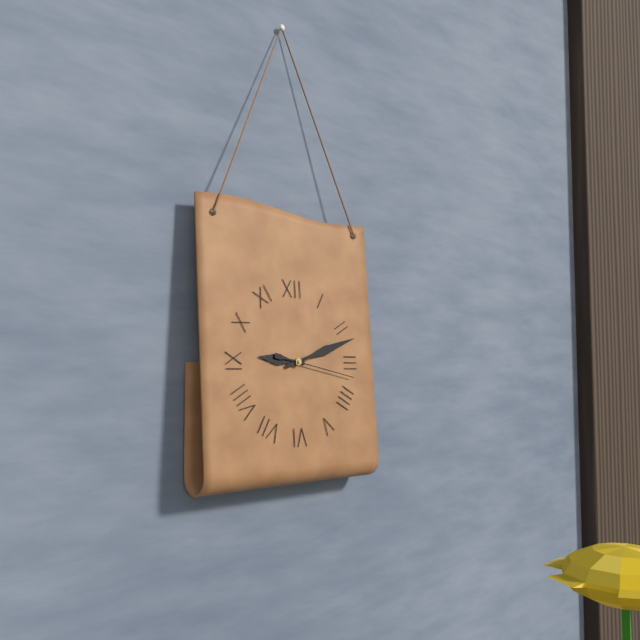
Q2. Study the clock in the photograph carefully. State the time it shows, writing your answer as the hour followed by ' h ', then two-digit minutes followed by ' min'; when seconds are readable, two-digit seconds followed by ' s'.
9 h 12 min 17 s
